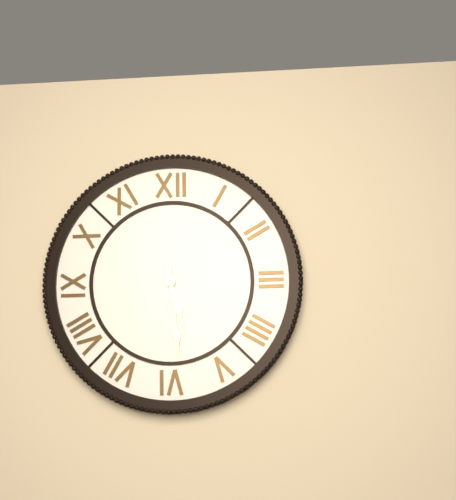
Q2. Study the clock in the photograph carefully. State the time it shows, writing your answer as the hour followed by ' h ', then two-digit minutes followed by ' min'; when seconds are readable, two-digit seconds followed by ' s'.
5 h 29 min
